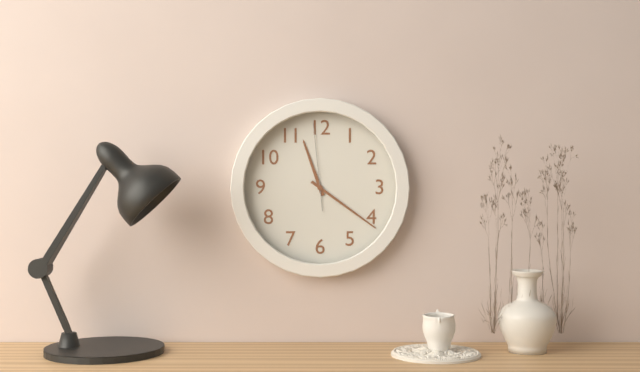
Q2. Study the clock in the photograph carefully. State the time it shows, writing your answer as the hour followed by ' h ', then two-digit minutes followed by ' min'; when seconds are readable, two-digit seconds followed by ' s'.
11 h 21 min 59 s
